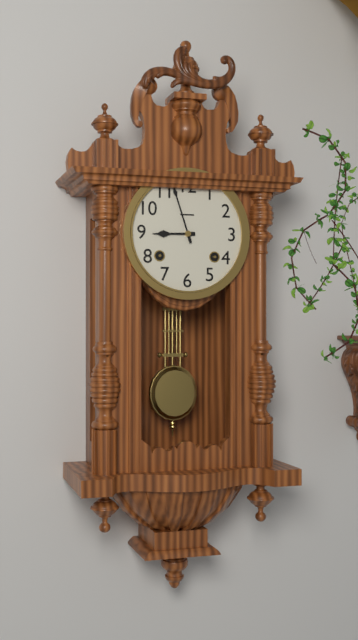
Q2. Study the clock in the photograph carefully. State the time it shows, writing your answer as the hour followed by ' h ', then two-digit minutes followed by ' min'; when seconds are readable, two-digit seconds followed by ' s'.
8 h 57 min
